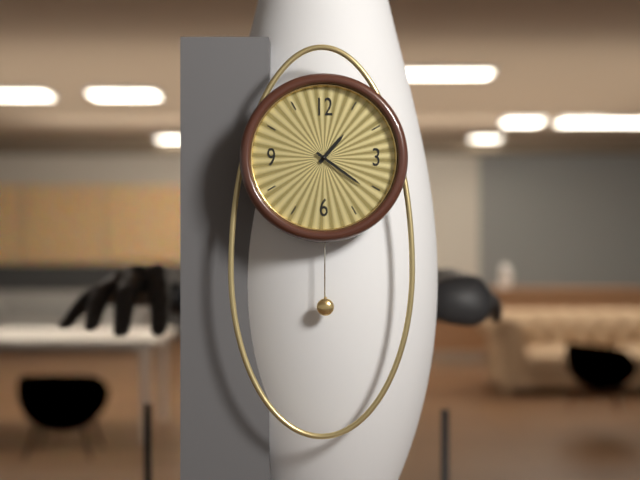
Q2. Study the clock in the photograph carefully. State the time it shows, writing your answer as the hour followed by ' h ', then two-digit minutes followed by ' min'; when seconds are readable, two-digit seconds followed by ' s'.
1 h 21 min
